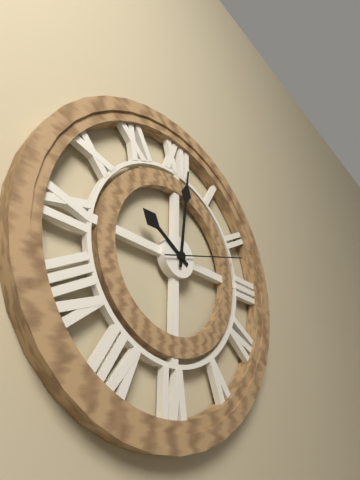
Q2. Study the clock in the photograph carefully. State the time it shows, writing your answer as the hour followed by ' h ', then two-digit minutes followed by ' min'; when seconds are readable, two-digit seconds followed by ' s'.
10 h 01 min 12 s
